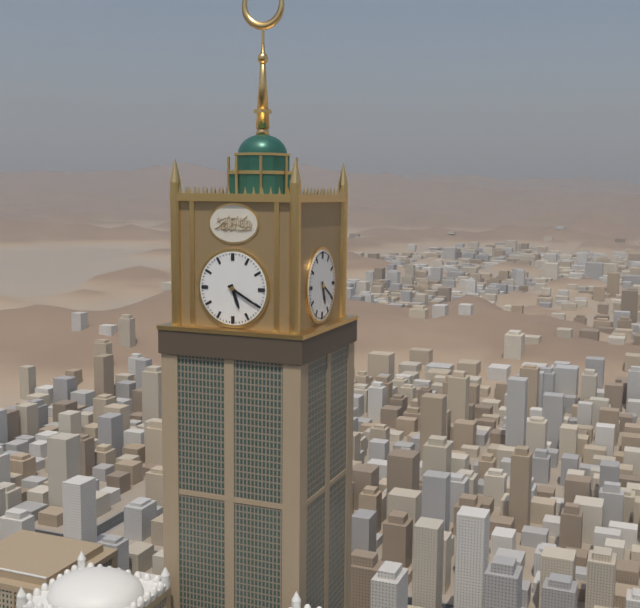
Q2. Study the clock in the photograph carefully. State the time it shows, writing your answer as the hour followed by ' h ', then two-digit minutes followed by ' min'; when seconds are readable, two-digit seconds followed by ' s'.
5 h 20 min
